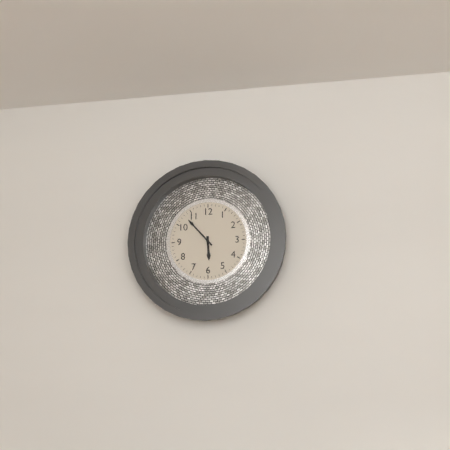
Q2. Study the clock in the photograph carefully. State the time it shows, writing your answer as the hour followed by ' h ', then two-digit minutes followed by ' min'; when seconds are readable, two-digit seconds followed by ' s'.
5 h 53 min
